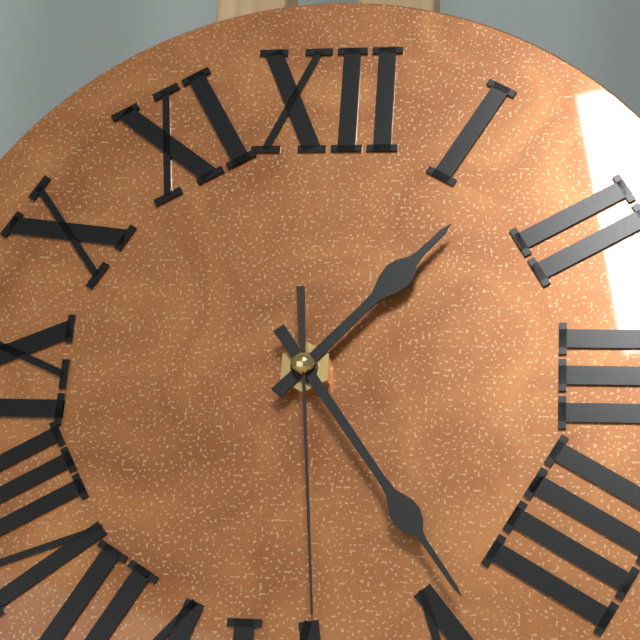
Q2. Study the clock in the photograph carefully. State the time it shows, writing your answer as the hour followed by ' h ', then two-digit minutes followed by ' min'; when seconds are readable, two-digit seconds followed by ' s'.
1 h 24 min 29 s
